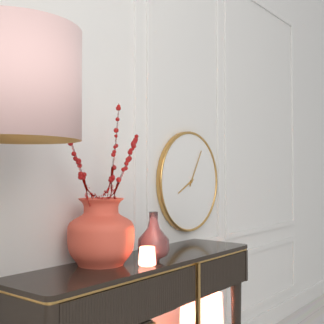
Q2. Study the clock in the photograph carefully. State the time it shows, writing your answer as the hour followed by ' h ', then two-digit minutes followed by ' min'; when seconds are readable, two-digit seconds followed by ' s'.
8 h 05 min
